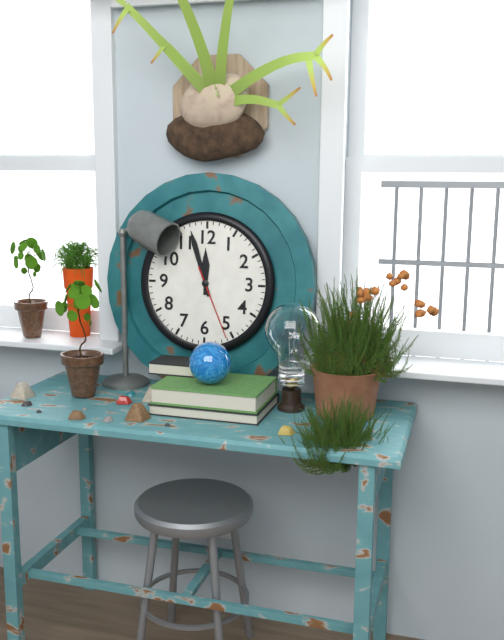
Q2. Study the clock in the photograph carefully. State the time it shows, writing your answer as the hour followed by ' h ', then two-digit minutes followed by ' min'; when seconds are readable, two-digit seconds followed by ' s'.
11 h 57 min 26 s
